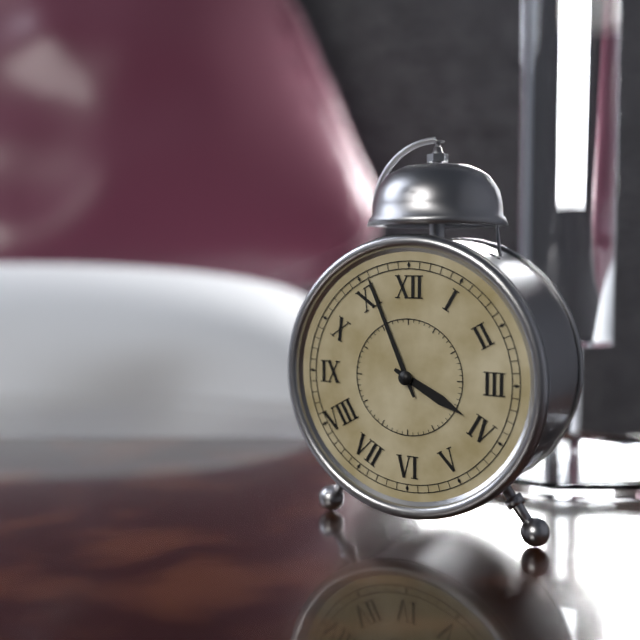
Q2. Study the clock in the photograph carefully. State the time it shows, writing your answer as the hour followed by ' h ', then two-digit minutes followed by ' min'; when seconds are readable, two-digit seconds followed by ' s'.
3 h 56 min
